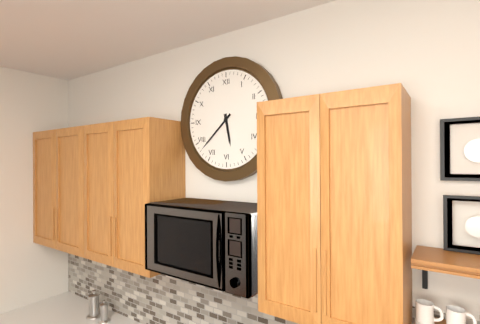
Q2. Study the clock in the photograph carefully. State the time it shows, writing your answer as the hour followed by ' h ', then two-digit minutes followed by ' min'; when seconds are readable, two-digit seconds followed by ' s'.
5 h 38 min
